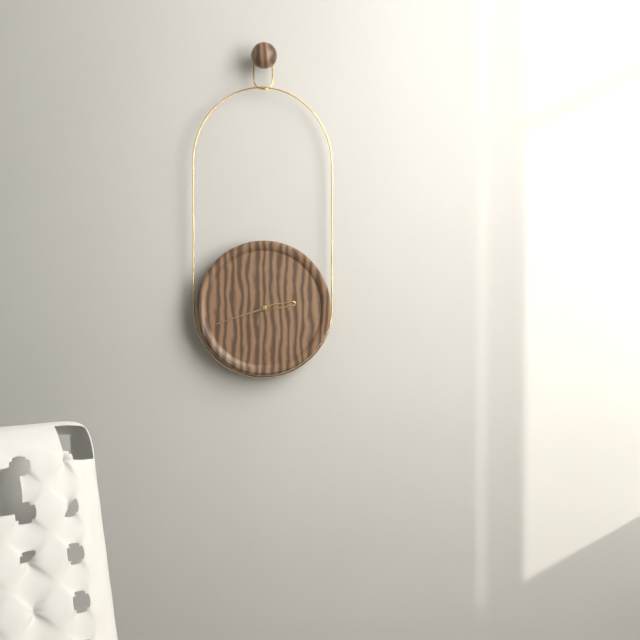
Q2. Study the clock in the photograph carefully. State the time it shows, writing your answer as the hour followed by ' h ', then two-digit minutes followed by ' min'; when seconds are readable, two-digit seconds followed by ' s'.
2 h 42 min
